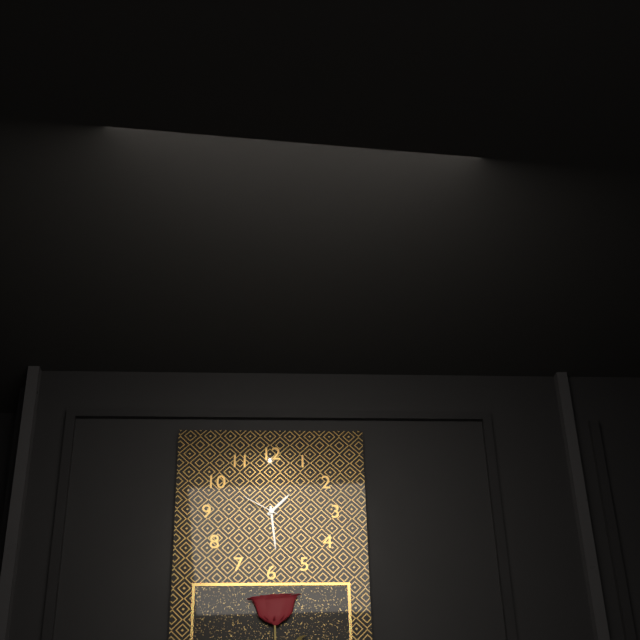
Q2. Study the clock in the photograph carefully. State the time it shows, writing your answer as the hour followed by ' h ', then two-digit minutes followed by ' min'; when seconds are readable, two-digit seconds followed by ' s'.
1 h 29 min
